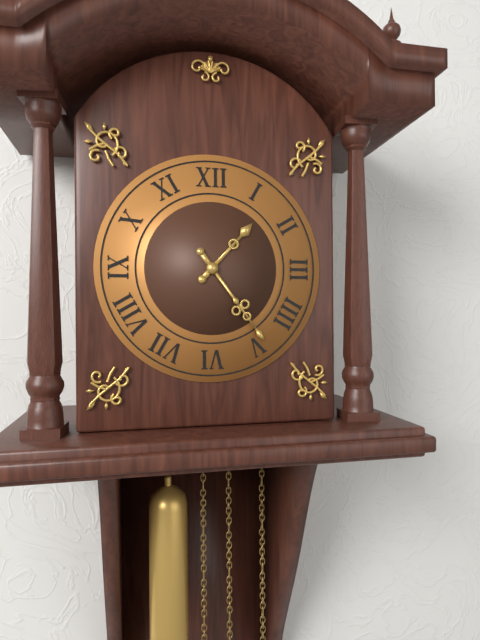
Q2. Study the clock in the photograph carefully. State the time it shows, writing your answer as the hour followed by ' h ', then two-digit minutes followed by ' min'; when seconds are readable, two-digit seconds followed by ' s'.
1 h 24 min
